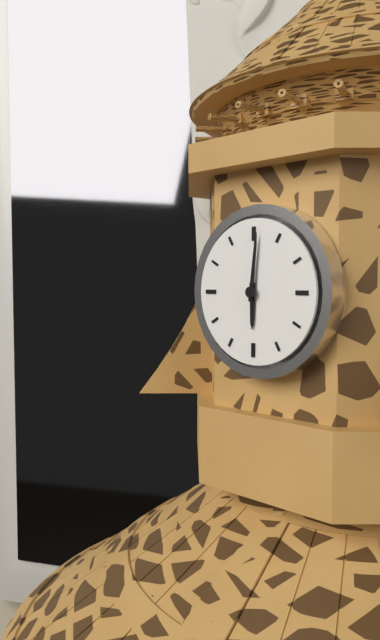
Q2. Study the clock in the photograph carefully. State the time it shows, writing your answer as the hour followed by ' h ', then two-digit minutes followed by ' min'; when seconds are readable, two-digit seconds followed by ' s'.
6 h 01 min
